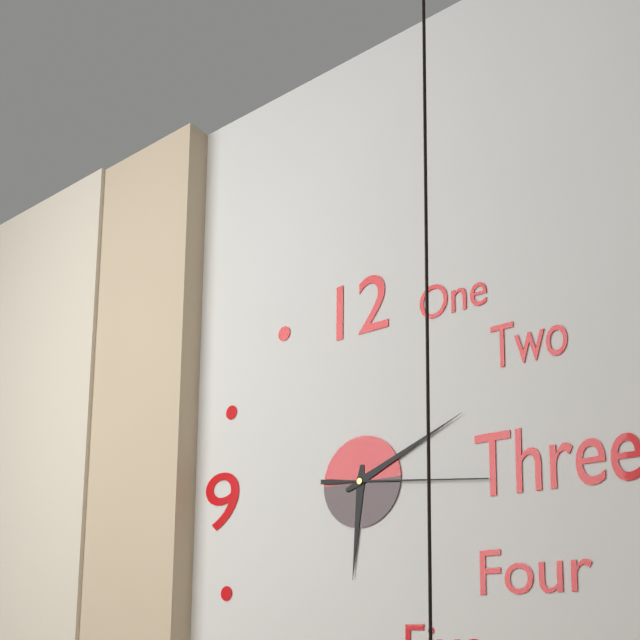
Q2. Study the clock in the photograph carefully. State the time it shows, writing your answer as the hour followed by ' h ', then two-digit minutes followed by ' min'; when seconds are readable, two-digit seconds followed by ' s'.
6 h 11 min 16 s
